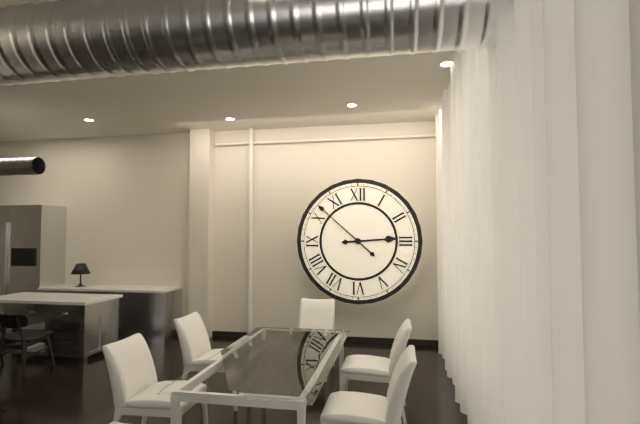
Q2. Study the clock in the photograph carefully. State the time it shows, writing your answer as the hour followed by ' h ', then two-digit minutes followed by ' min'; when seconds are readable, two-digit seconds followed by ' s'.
2 h 52 min
